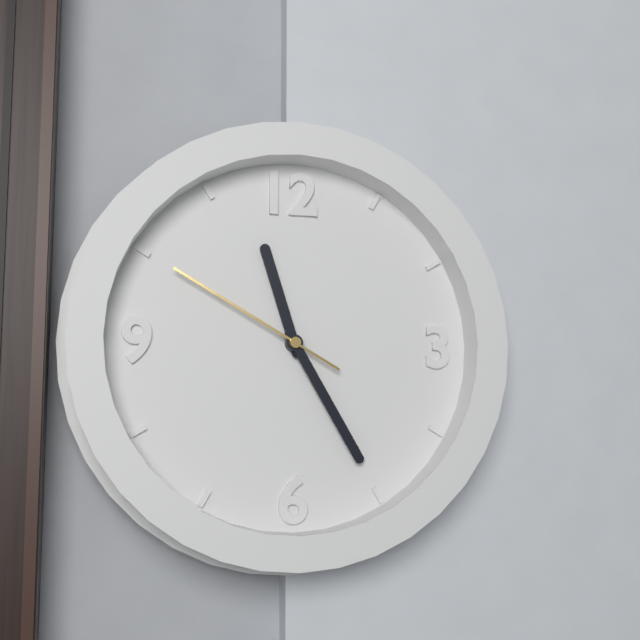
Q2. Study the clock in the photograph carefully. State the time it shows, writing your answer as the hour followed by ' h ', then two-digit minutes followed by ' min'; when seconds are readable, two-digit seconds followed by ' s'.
11 h 25 min 50 s
